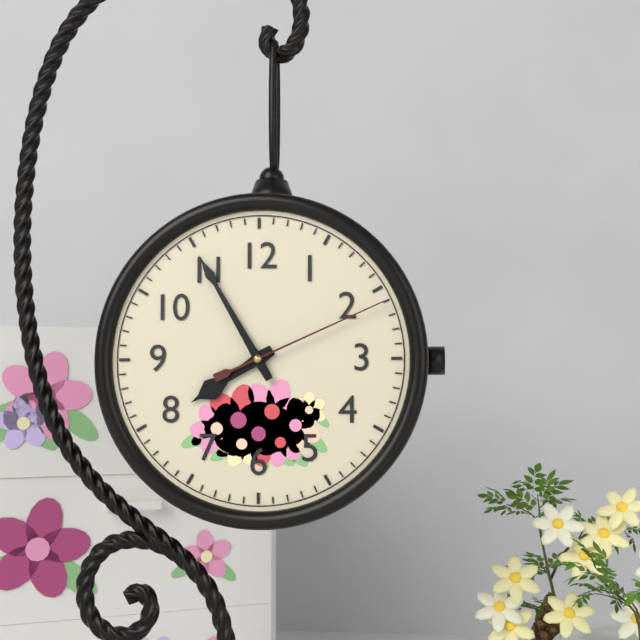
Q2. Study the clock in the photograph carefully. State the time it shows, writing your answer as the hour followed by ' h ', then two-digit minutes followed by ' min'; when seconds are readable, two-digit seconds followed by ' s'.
7 h 55 min 11 s
